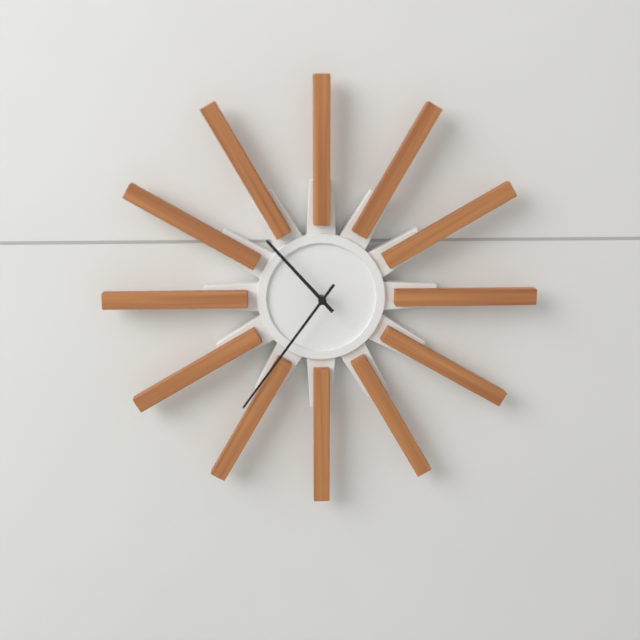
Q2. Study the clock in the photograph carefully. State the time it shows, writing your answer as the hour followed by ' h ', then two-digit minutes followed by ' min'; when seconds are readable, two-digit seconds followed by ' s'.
10 h 36 min
